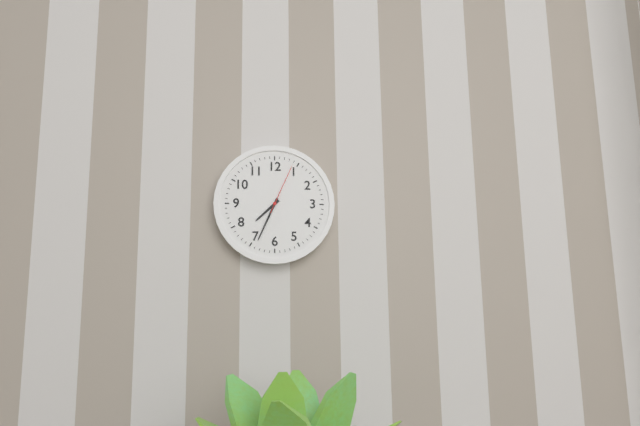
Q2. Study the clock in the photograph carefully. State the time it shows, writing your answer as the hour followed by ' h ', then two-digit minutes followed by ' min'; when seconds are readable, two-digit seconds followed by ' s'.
7 h 34 min 04 s
